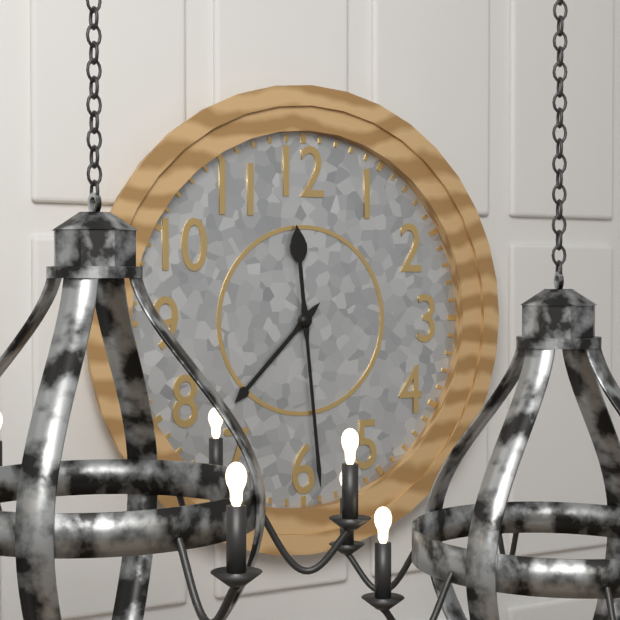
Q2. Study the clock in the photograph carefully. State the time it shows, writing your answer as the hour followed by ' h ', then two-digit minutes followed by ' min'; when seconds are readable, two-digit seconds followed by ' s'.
7 h 29 min
